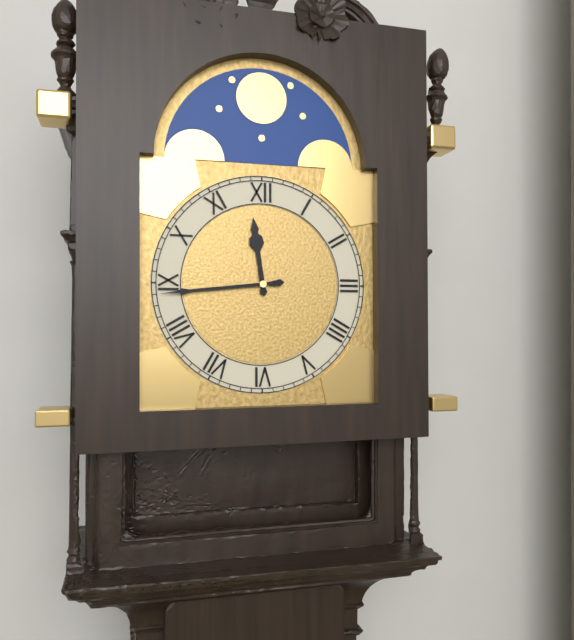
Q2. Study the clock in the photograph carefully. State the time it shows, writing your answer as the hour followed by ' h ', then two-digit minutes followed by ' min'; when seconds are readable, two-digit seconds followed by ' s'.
11 h 44 min
